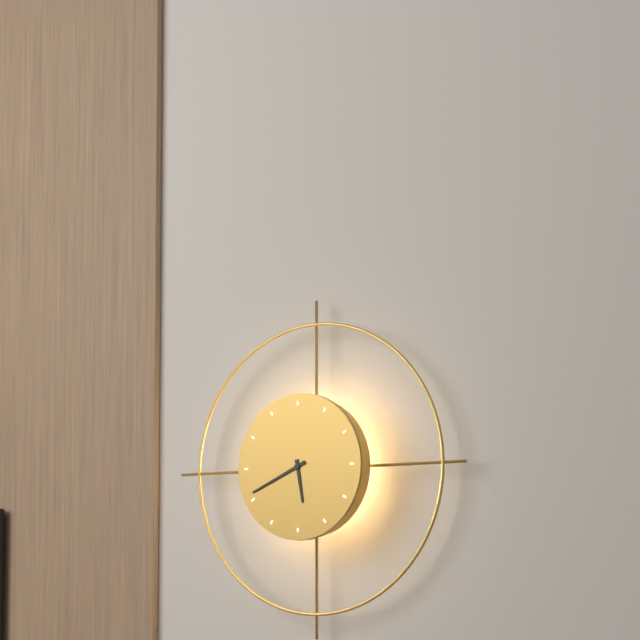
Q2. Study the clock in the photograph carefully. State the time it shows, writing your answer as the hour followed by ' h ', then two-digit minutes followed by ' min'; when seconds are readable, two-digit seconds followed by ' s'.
5 h 41 min
